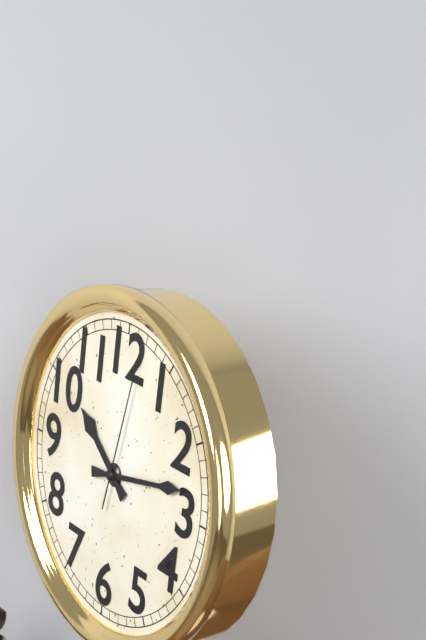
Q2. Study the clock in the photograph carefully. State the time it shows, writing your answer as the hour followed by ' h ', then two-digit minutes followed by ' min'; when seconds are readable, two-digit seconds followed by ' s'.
10 h 13 min 02 s
